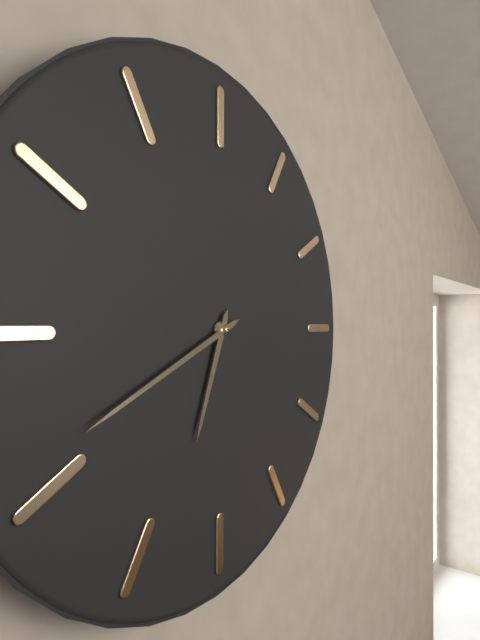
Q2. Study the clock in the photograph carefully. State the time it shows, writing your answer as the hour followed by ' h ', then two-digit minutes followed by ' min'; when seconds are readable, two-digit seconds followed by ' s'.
6 h 41 min
